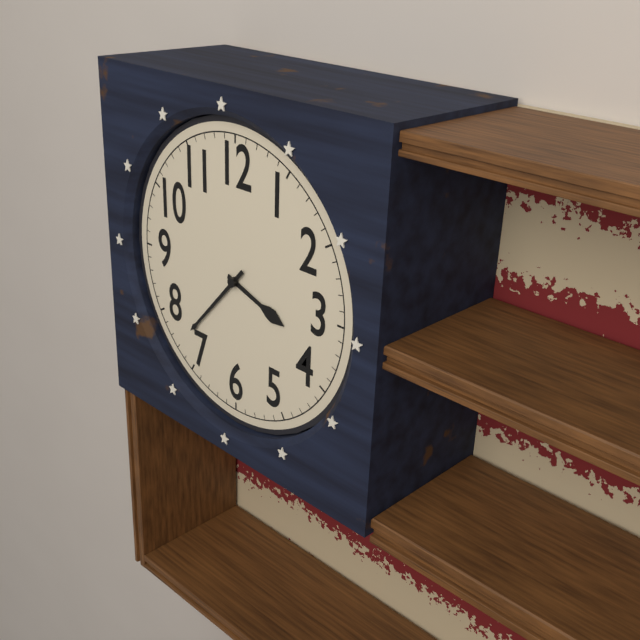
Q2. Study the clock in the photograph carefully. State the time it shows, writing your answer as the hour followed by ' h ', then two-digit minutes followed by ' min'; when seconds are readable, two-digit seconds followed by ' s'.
3 h 37 min
